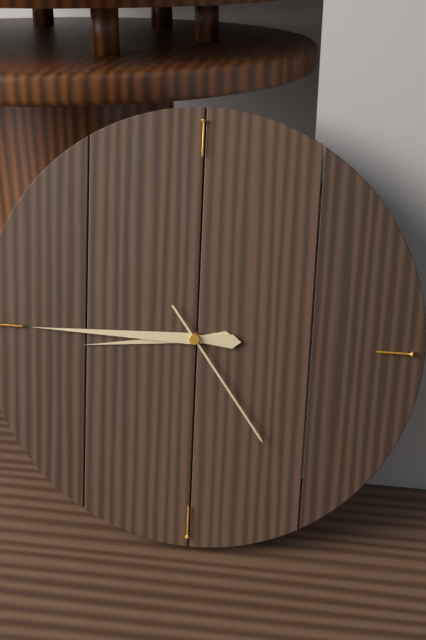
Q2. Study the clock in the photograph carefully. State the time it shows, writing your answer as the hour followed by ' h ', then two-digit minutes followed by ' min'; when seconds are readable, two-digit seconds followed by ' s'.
8 h 45 min 24 s
